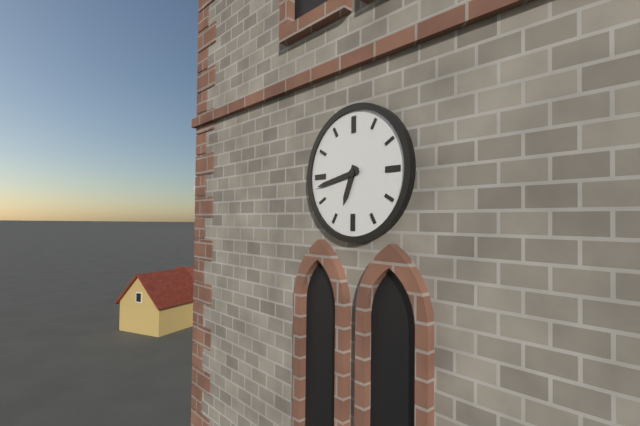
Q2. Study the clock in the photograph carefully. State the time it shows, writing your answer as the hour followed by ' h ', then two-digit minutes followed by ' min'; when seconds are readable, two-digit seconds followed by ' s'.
6 h 43 min
